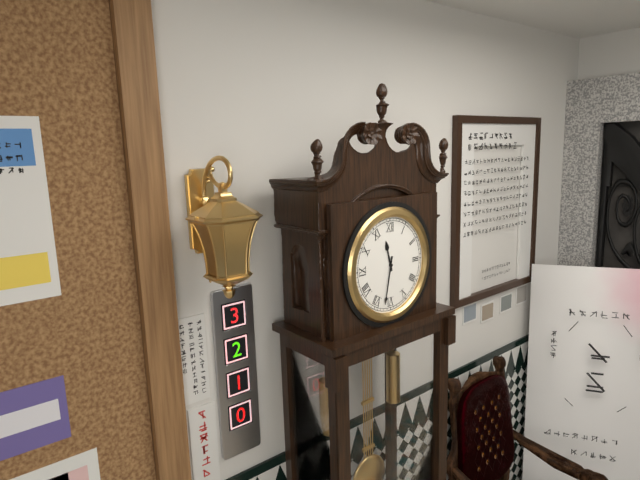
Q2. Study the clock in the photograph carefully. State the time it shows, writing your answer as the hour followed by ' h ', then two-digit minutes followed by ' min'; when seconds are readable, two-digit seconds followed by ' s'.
11 h 32 min
